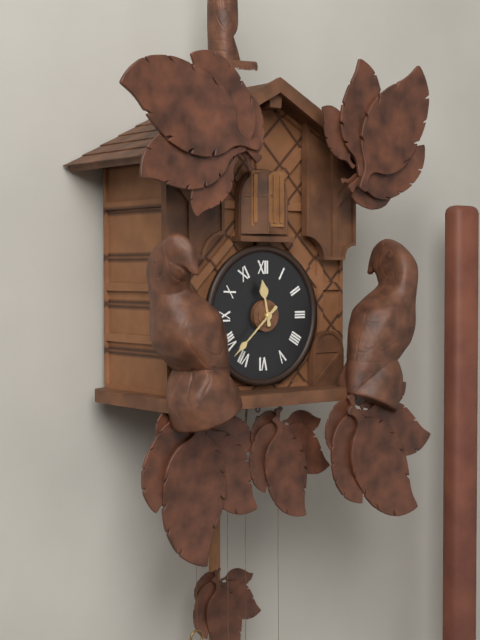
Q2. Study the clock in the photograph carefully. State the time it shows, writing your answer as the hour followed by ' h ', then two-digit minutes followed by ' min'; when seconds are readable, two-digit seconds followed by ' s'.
11 h 38 min
